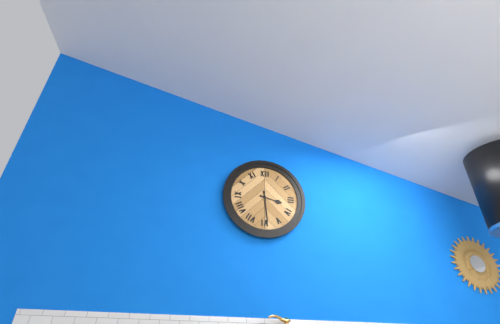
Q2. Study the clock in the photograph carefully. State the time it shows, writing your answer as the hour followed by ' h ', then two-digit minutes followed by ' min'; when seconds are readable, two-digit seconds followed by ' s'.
3 h 29 min
